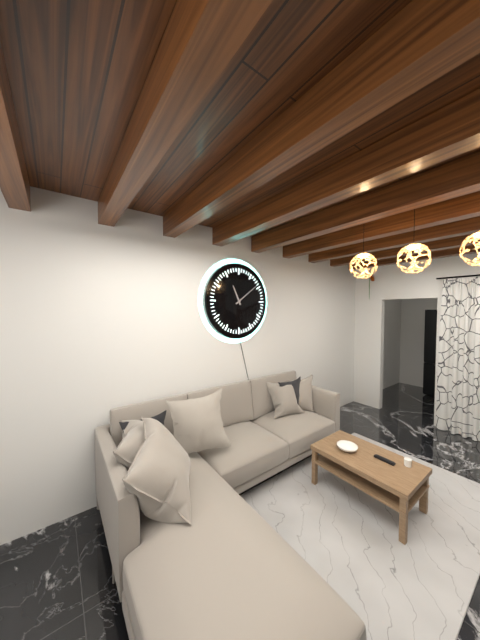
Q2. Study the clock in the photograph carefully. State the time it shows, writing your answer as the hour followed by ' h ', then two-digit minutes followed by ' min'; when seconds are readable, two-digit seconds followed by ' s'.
11 h 09 min
